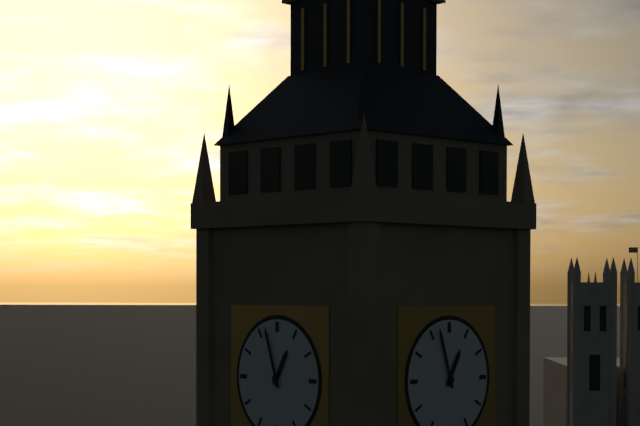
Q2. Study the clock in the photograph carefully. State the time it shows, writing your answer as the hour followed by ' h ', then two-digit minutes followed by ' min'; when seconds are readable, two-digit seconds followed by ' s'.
12 h 57 min
